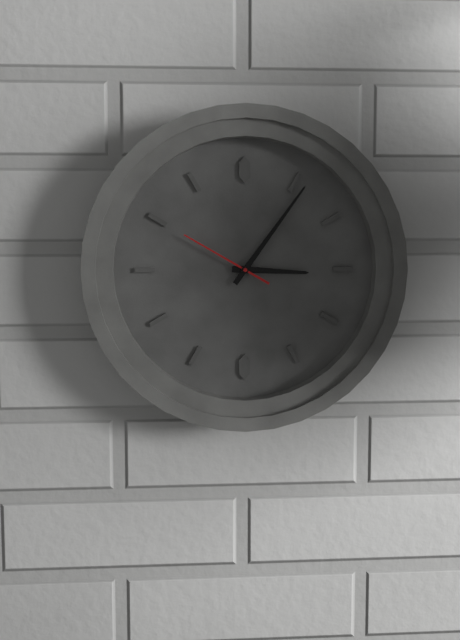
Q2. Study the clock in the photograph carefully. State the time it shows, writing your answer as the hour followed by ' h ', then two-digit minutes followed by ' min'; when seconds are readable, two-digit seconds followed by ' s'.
3 h 06 min 50 s
